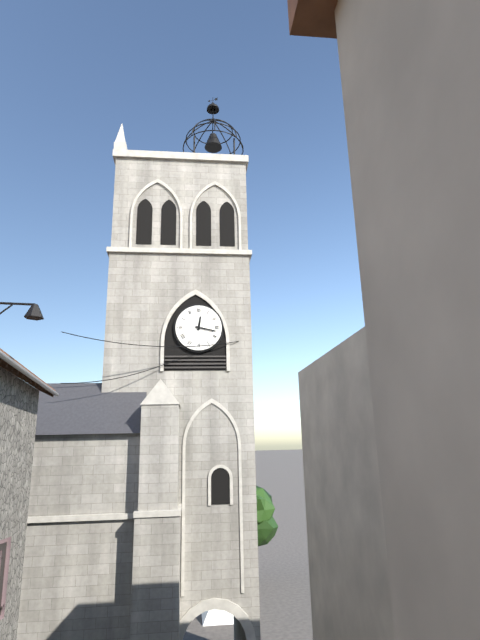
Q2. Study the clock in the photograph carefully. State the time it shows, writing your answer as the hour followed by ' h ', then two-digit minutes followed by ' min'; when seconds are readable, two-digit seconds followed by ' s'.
12 h 17 min
